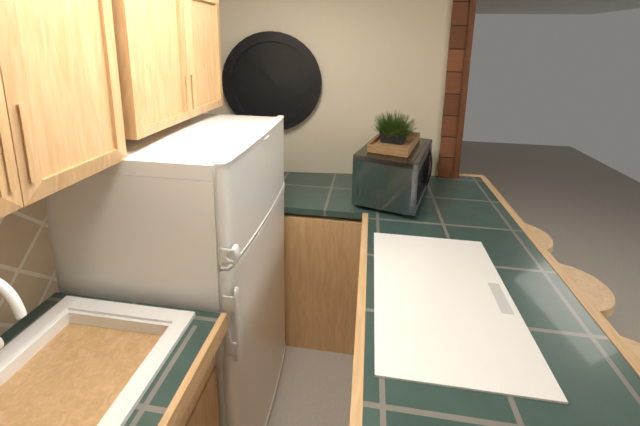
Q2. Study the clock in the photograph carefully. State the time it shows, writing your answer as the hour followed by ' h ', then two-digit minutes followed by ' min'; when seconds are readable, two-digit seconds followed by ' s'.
10 h 52 min
